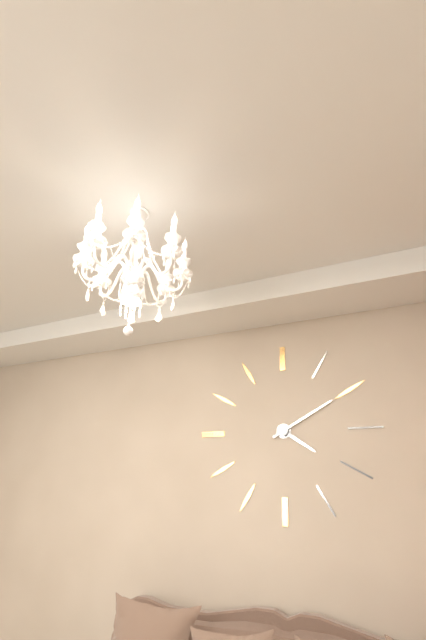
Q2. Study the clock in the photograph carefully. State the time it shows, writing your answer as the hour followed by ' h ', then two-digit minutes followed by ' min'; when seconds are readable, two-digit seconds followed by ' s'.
4 h 10 min
